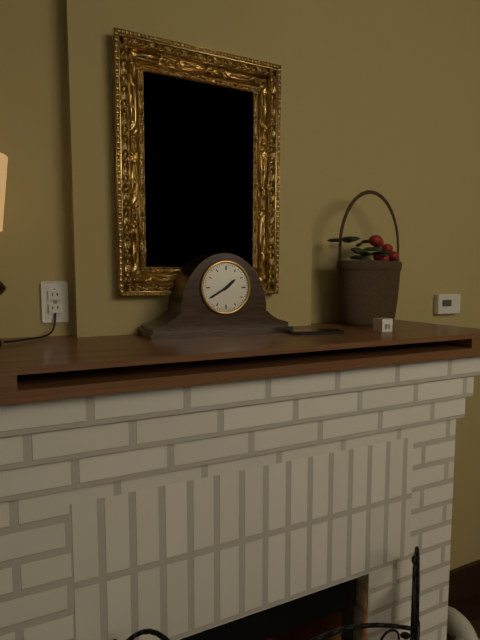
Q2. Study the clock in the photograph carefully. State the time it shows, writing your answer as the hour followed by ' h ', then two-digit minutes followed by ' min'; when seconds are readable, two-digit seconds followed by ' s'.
1 h 40 min
